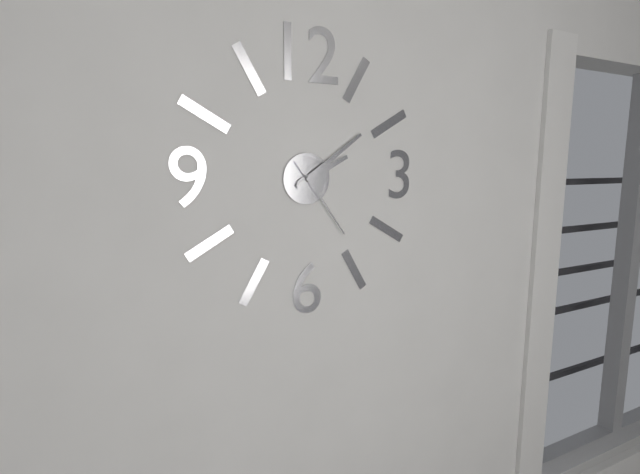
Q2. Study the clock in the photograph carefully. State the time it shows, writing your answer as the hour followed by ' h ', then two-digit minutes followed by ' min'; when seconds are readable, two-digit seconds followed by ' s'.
2 h 09 min 24 s
